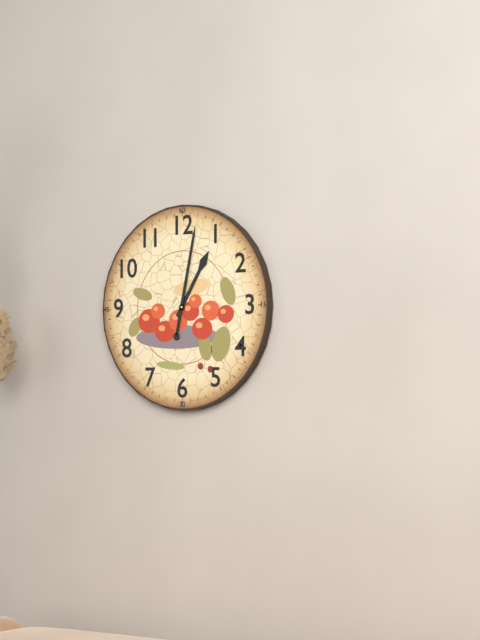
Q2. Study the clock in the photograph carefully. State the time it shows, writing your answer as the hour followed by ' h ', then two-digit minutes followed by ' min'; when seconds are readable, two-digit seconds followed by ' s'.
1 h 02 min
